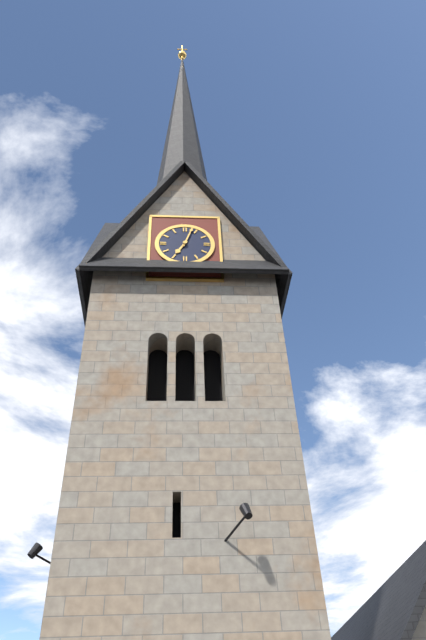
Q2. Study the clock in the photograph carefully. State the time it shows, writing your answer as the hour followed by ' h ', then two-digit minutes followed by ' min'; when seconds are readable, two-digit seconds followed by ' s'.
7 h 03 min
